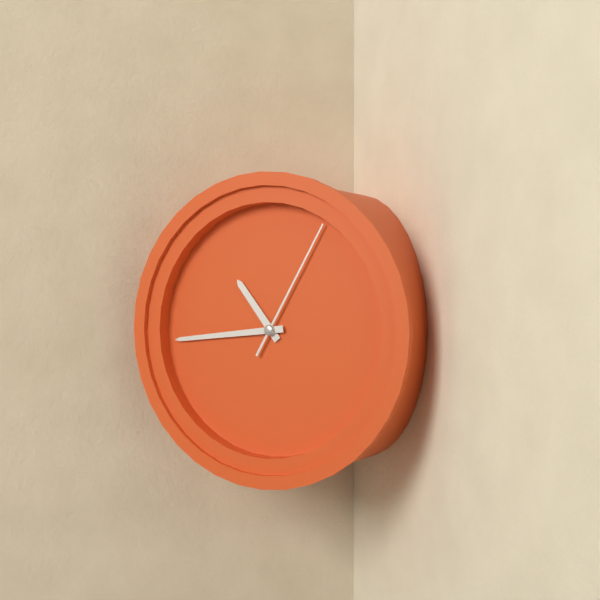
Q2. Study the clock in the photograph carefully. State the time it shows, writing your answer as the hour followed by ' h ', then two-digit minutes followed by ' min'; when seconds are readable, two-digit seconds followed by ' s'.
10 h 44 min 05 s
